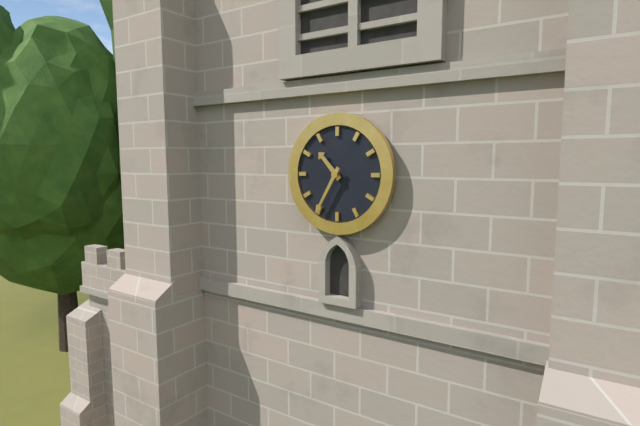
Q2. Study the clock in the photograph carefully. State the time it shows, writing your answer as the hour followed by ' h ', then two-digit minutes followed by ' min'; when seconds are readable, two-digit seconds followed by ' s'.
10 h 35 min
